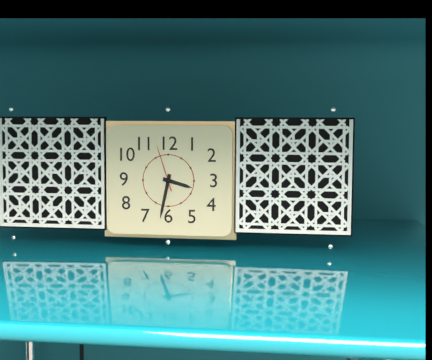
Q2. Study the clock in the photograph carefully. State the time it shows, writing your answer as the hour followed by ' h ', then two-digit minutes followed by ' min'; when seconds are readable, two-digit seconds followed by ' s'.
3 h 32 min
